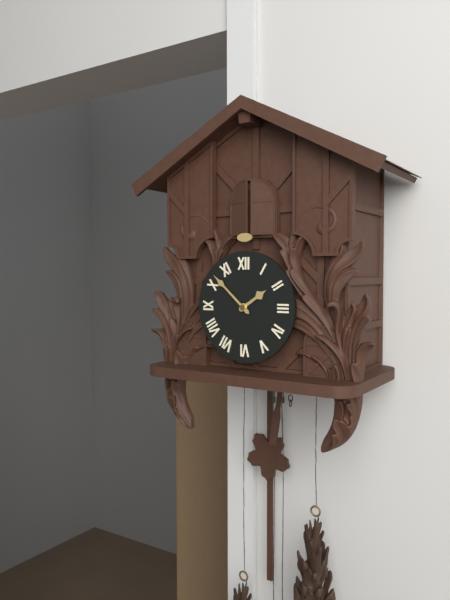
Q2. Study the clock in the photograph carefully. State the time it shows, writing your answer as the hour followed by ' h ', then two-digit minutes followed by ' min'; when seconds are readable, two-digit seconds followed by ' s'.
1 h 52 min
